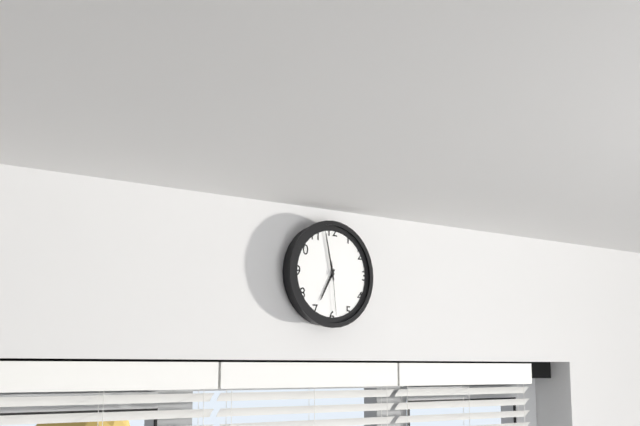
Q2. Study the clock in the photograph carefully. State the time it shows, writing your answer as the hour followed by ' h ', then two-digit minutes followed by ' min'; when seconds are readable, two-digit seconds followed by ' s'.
6 h 58 min 29 s
